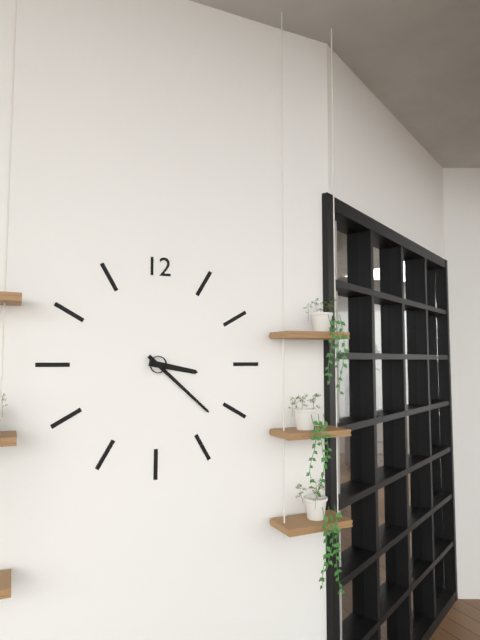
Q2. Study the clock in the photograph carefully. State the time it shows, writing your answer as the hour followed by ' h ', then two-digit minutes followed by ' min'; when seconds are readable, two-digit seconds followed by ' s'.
3 h 22 min
